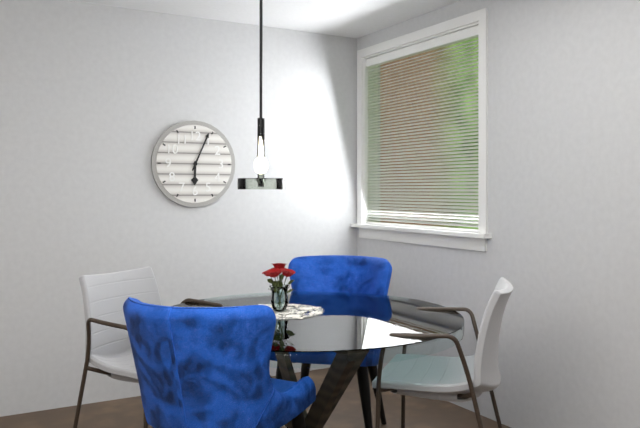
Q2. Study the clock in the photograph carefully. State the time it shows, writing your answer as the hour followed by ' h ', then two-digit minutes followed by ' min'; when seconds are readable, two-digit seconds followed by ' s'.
6 h 04 min
